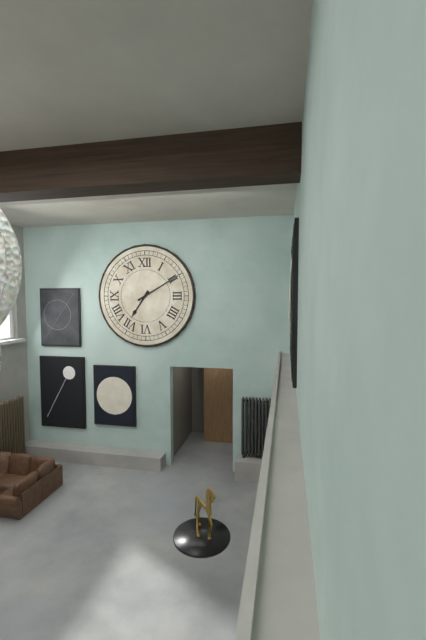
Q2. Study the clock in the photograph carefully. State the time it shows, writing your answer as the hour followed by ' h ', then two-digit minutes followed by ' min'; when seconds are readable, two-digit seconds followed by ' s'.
7 h 10 min
